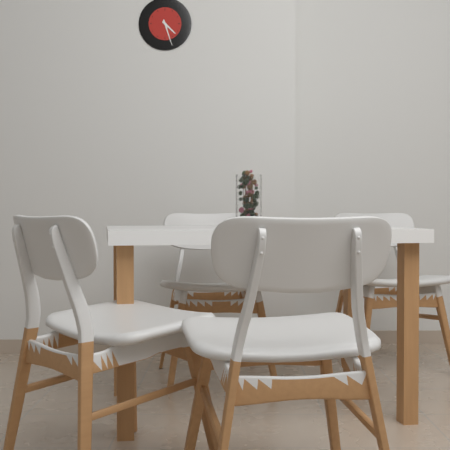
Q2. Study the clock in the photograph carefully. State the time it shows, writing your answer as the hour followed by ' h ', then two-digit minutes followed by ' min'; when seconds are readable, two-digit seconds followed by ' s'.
4 h 27 min
